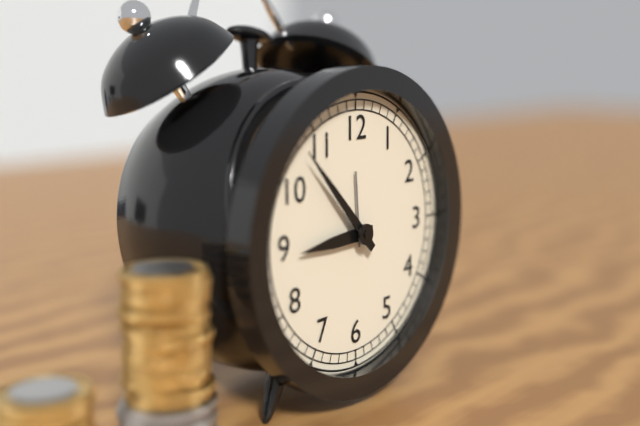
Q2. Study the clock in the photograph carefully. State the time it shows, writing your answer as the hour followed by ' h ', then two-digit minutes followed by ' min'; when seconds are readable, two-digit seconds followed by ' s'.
8 h 53 min
